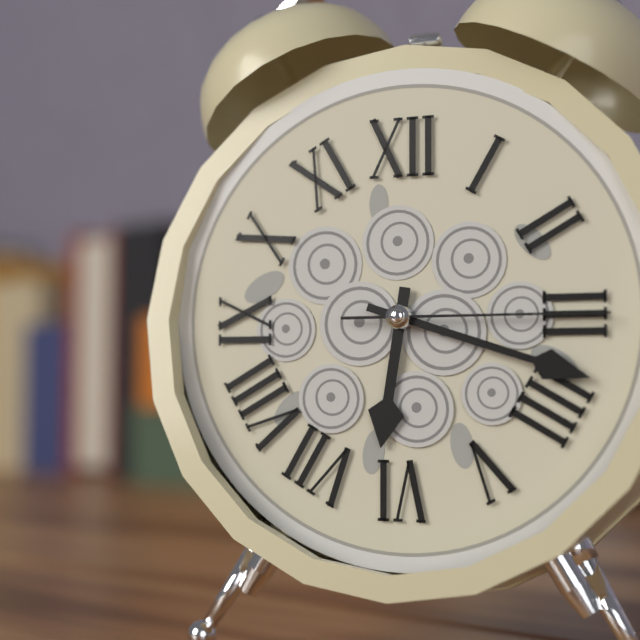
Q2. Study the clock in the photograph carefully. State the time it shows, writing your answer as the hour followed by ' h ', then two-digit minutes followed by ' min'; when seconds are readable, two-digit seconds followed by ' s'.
6 h 18 min 15 s
